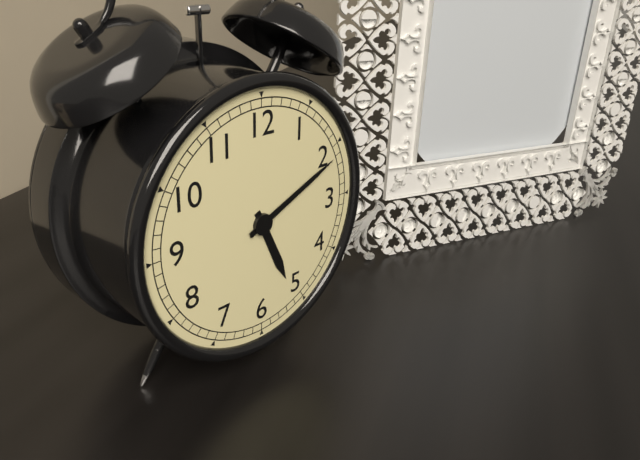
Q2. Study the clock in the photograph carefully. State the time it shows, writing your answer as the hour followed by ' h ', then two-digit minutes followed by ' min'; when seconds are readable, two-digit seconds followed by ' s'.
5 h 11 min
